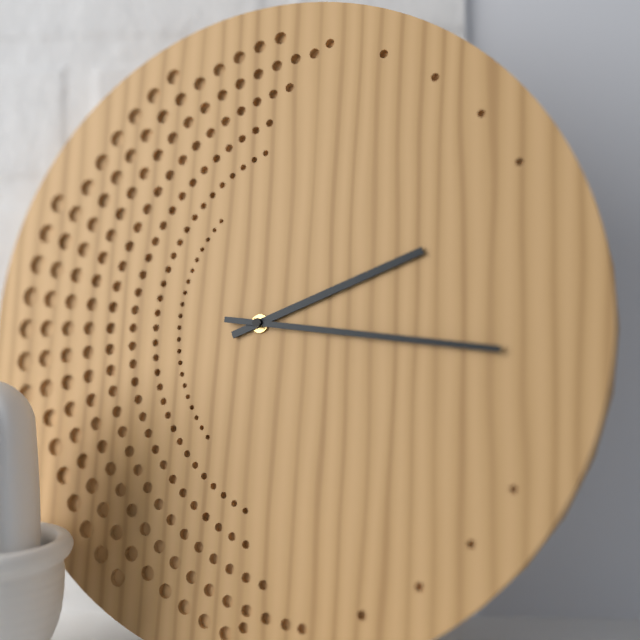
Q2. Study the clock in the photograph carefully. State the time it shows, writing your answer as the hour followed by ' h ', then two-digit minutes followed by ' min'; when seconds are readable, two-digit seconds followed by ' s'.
2 h 16 min
